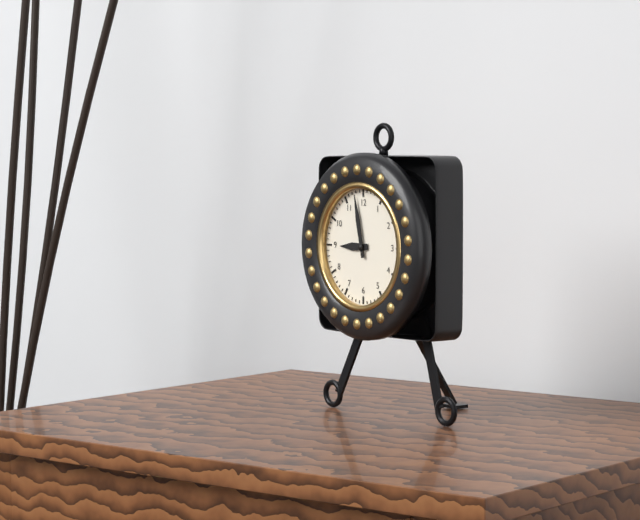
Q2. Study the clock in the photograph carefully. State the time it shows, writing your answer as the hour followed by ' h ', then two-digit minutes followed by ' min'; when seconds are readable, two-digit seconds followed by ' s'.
8 h 58 min
